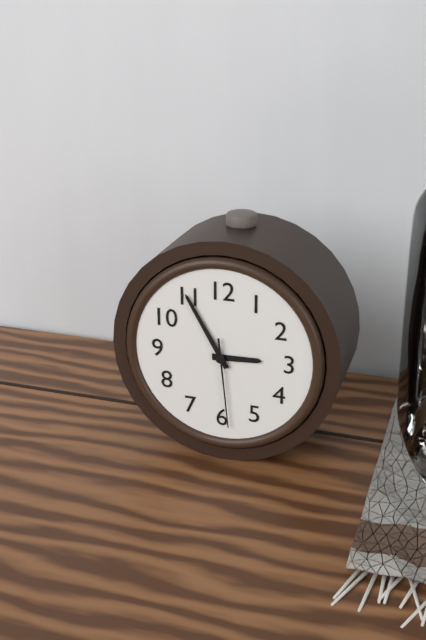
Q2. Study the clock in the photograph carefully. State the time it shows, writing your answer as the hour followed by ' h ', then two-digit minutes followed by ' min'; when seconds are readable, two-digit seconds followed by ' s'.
2 h 55 min 29 s
